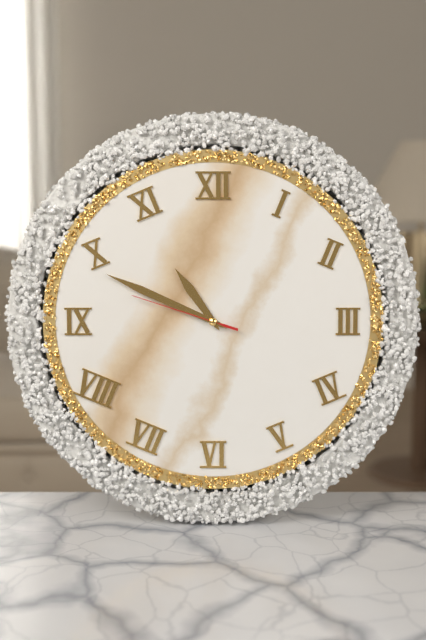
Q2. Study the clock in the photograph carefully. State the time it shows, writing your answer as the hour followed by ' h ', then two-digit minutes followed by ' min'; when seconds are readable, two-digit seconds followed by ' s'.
10 h 49 min 48 s
